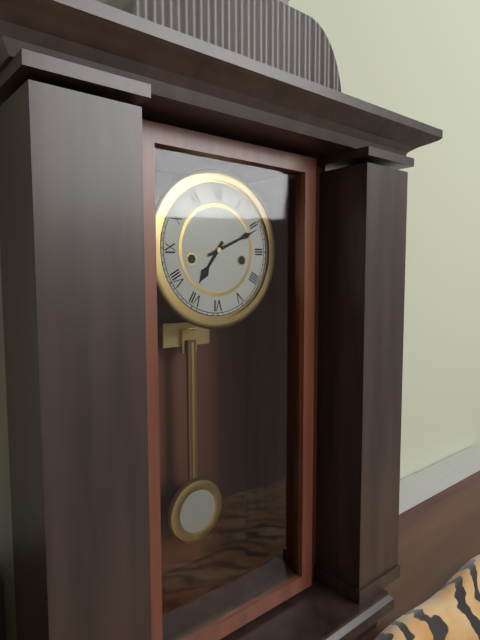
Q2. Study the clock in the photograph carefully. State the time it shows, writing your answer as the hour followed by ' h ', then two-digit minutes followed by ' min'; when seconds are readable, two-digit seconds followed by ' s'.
7 h 11 min
